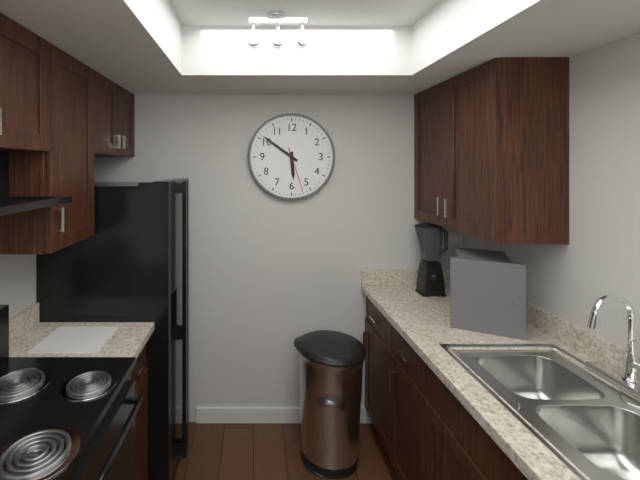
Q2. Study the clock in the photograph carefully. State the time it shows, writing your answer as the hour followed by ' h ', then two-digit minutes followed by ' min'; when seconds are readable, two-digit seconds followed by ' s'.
5 h 51 min
